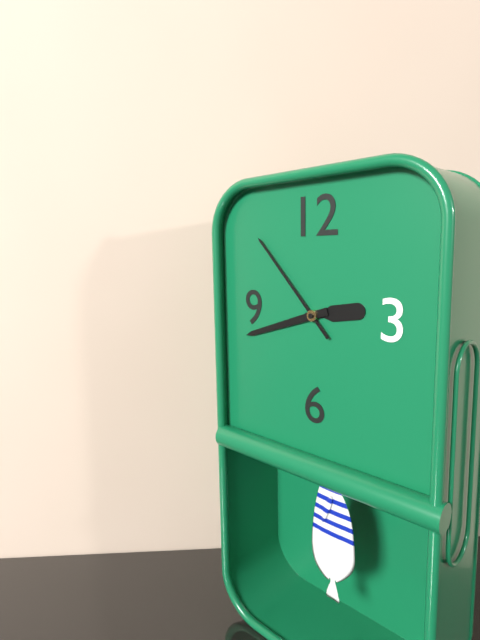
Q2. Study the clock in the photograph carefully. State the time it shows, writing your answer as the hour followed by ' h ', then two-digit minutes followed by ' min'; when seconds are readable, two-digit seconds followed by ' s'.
2 h 42 min 53 s
